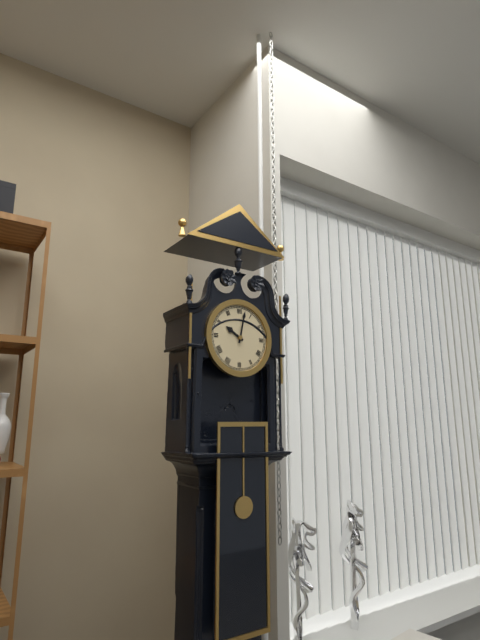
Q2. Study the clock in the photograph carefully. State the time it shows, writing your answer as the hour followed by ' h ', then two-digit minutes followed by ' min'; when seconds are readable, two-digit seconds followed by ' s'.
10 h 02 min
